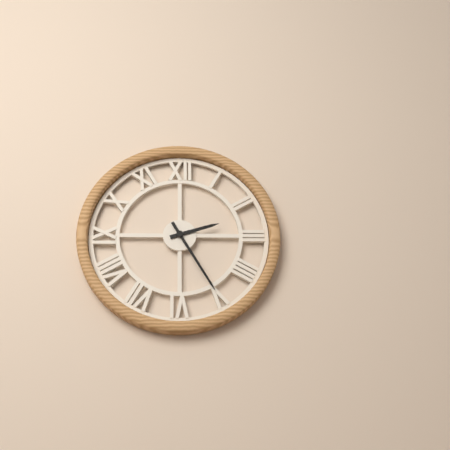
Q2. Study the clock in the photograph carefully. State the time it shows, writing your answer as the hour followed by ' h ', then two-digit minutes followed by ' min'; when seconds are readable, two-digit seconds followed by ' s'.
2 h 25 min
